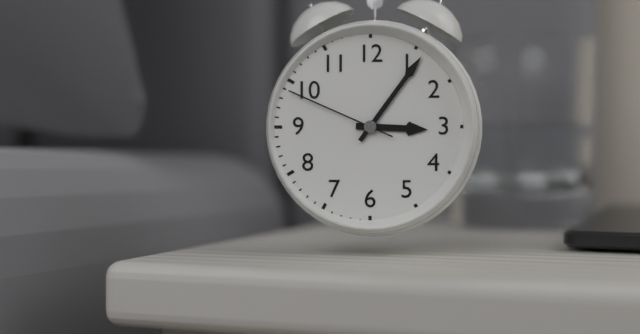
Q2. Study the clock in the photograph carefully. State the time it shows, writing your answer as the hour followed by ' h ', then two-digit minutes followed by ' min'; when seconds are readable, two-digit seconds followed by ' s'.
3 h 06 min 49 s
